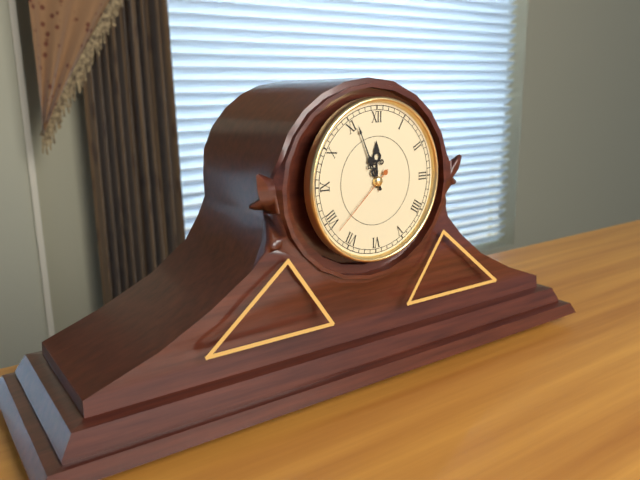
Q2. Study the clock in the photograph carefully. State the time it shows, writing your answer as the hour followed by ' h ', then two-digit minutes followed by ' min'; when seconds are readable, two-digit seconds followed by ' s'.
11 h 56 min 38 s
